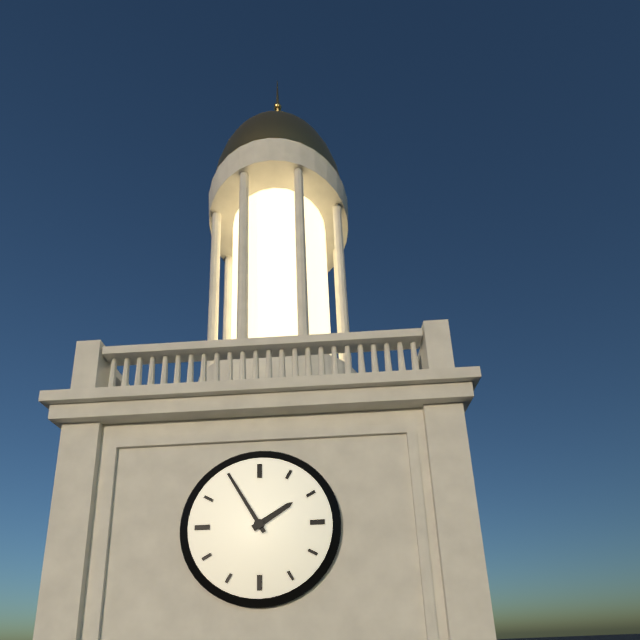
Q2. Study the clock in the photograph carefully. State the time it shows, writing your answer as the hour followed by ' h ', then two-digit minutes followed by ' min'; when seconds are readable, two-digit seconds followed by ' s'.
1 h 55 min
